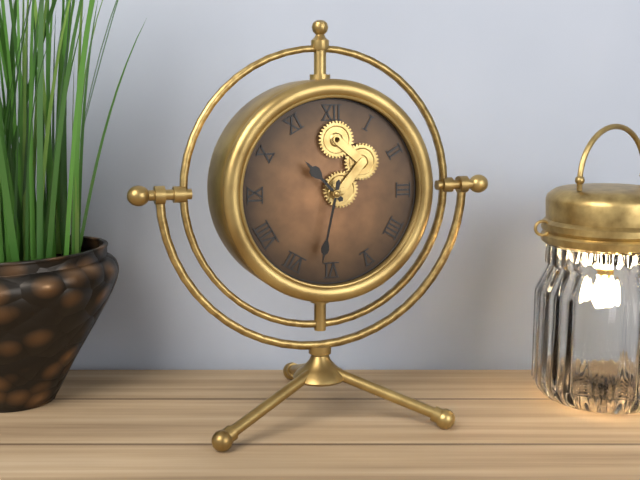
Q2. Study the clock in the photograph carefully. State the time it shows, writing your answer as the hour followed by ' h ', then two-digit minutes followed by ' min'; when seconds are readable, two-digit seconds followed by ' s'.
10 h 32 min
